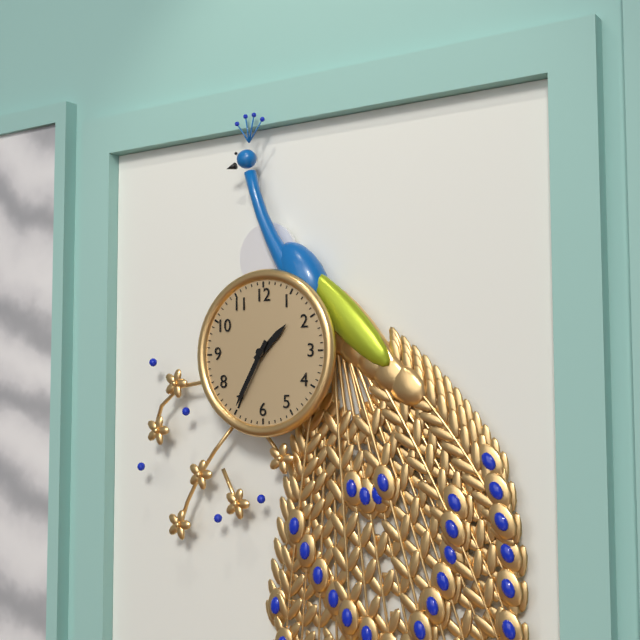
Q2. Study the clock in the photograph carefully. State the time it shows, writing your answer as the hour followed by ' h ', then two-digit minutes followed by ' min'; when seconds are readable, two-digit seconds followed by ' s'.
1 h 35 min
